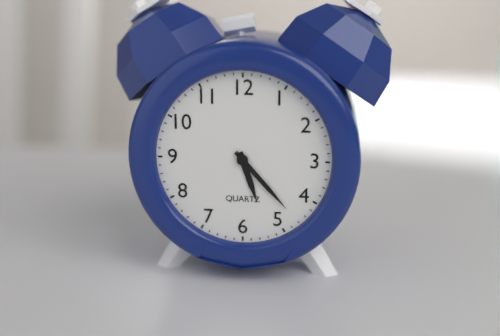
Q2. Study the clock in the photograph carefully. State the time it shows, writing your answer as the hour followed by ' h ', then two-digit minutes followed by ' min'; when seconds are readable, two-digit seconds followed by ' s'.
5 h 23 min
